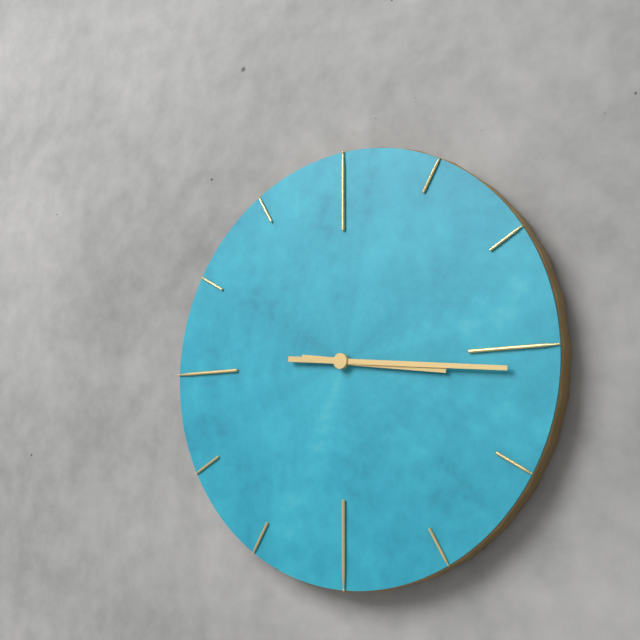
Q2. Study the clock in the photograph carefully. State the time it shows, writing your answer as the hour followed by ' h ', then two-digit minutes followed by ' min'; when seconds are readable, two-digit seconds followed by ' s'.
3 h 16 min
